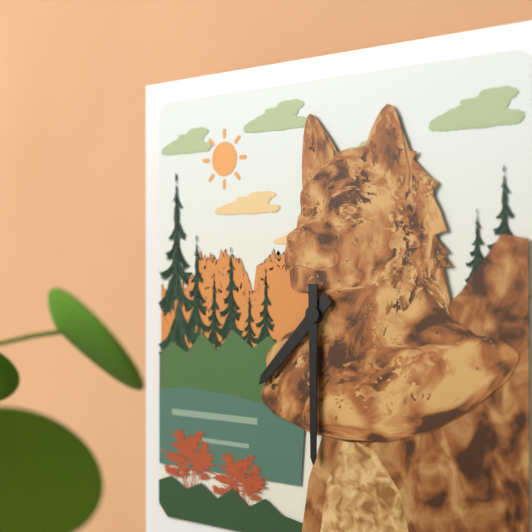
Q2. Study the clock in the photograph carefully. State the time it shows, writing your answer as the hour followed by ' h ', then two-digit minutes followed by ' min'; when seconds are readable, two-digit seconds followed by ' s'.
7 h 30 min
